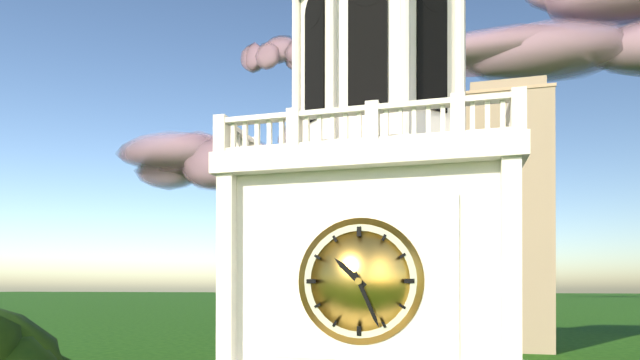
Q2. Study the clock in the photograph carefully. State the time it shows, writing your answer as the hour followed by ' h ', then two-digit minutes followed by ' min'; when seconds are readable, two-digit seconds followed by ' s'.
10 h 26 min
